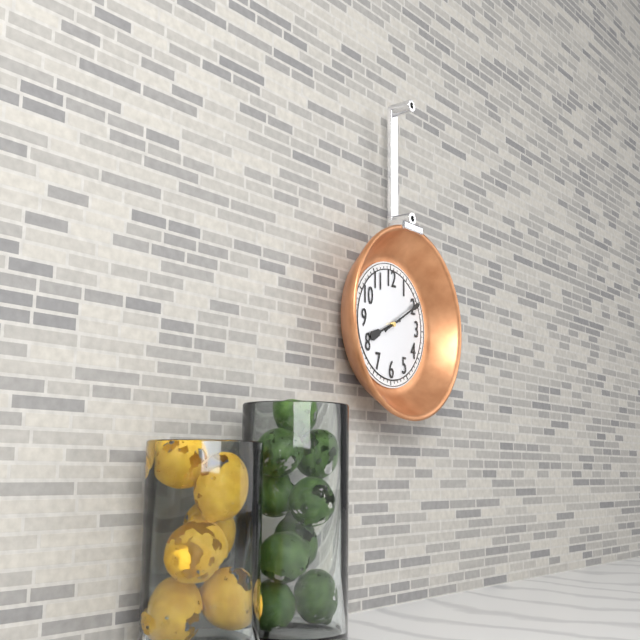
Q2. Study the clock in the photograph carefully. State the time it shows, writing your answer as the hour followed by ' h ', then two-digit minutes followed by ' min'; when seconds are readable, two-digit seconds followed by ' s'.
8 h 10 min
